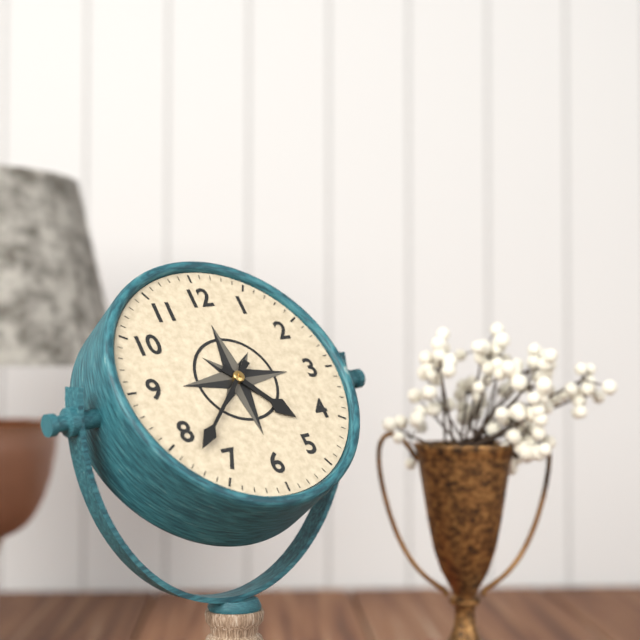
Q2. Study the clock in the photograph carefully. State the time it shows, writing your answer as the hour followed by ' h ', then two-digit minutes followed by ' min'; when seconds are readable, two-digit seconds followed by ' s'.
4 h 38 min
